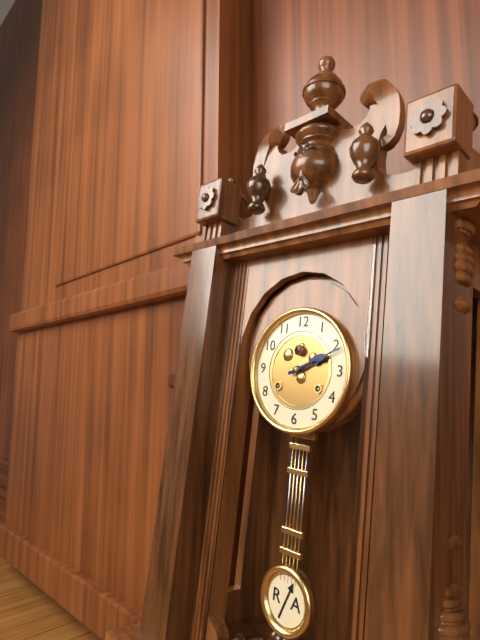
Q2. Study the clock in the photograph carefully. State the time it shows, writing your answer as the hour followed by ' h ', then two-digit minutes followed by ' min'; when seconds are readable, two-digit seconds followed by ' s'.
2 h 11 min
